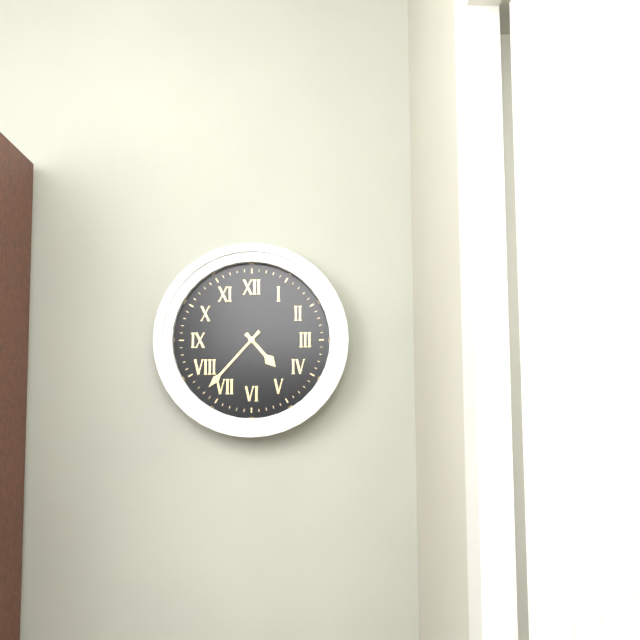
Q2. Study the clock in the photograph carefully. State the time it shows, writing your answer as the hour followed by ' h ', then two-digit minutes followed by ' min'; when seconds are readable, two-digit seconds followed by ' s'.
4 h 37 min
